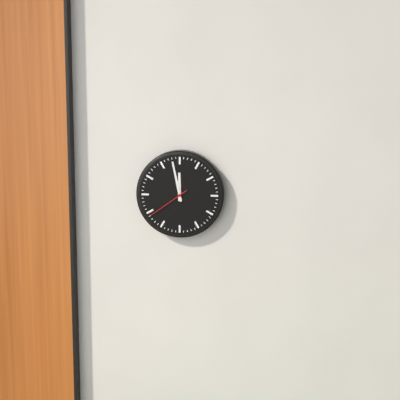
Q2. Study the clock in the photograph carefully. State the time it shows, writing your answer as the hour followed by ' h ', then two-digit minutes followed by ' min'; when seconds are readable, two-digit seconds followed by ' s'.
11 h 58 min
